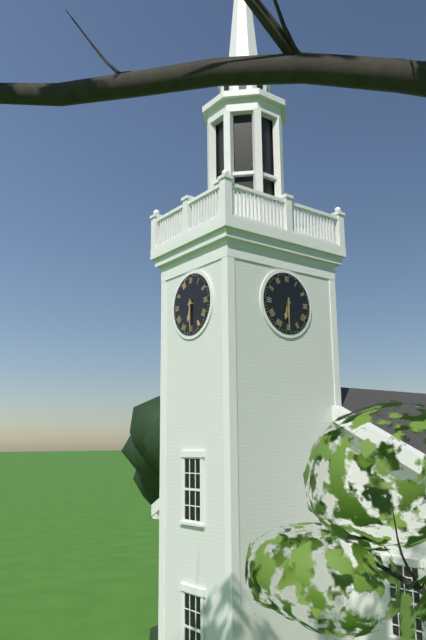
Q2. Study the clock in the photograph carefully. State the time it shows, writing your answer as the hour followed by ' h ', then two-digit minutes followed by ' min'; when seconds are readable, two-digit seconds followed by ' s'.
6 h 30 min
